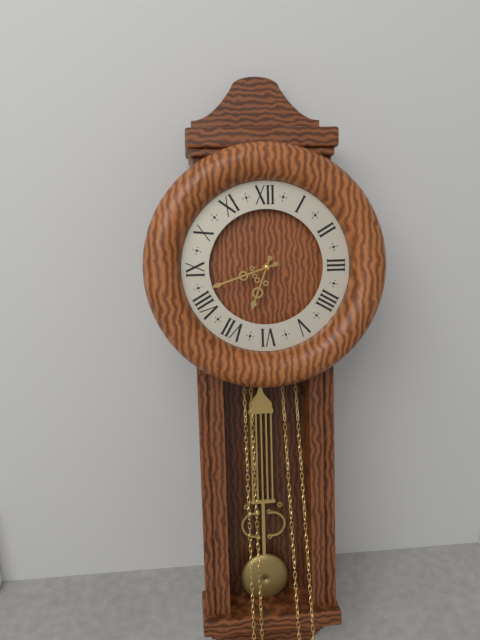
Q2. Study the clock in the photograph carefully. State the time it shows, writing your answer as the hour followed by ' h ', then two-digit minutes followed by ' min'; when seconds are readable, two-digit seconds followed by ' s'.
6 h 42 min
